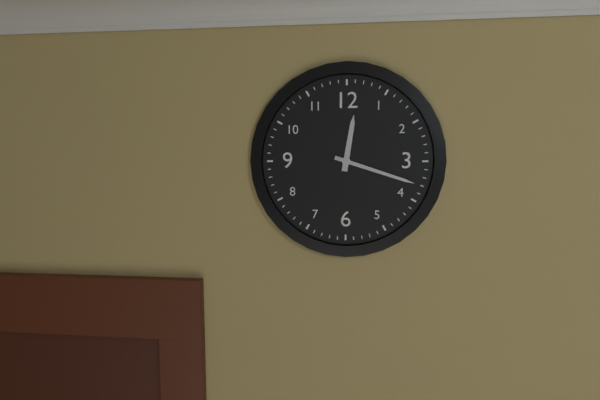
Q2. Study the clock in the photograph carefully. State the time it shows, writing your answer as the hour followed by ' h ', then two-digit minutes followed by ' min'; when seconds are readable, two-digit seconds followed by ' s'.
12 h 18 min
